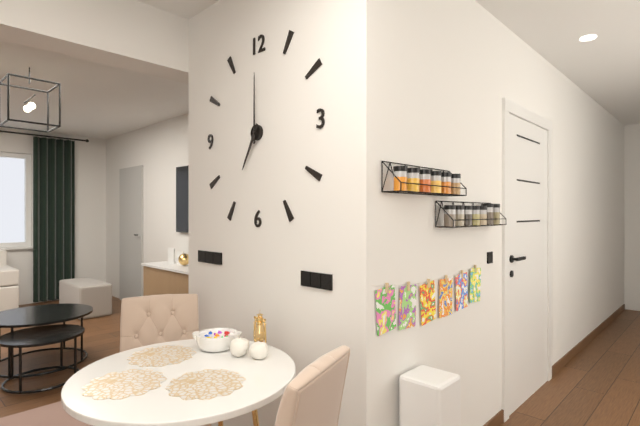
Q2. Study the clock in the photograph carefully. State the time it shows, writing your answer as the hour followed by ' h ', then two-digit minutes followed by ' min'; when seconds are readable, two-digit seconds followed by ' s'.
7 h 00 min
